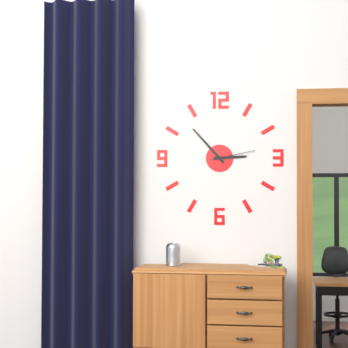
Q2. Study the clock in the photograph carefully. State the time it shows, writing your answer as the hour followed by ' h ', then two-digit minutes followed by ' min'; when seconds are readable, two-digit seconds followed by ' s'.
2 h 53 min
